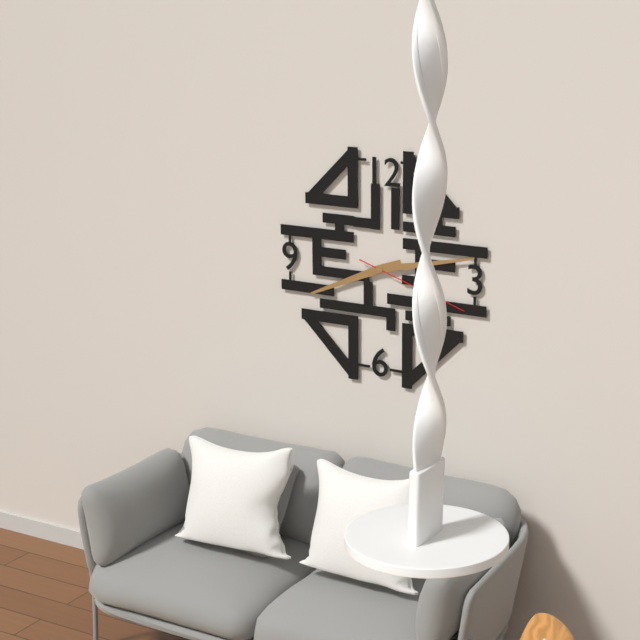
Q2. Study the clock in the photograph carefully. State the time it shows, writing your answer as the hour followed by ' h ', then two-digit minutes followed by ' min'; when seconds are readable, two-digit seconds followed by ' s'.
8 h 13 min 18 s
